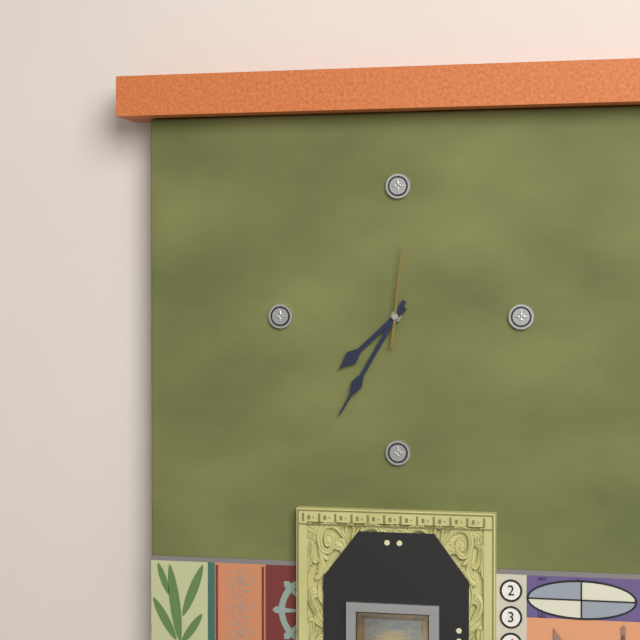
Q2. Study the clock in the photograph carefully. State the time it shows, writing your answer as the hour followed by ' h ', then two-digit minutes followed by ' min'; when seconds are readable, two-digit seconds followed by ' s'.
7 h 35 min 01 s
